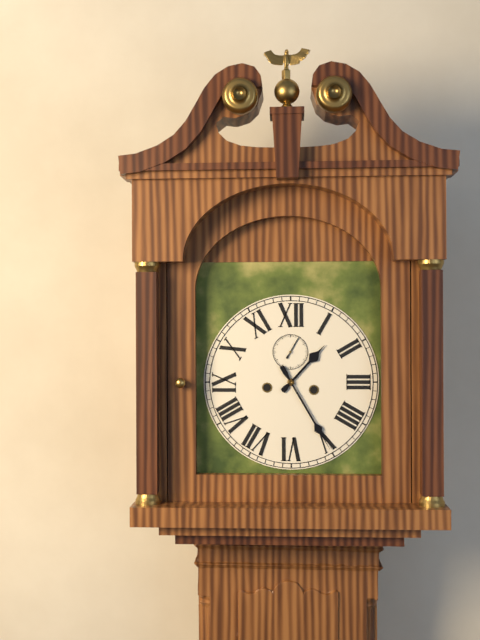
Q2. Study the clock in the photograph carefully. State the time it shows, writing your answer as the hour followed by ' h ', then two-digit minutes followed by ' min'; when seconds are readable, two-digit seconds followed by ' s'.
1 h 25 min
